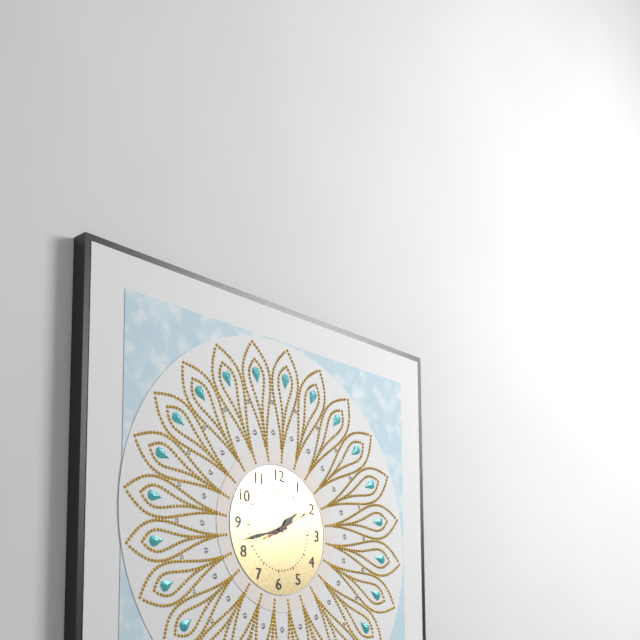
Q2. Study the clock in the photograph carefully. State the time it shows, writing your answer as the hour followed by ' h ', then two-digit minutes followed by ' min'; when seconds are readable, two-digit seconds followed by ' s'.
1 h 42 min 10 s
